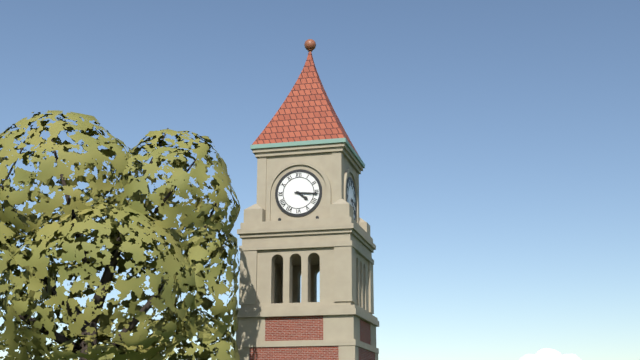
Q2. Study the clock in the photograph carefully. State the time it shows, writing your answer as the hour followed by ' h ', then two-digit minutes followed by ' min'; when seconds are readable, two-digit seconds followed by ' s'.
4 h 16 min
